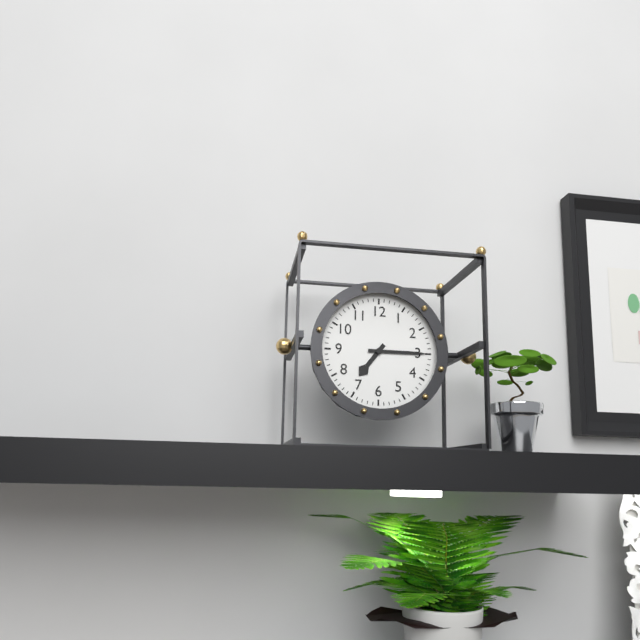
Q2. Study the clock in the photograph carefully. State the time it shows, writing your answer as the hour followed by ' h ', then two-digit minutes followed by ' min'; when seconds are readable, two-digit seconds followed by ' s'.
7 h 15 min
